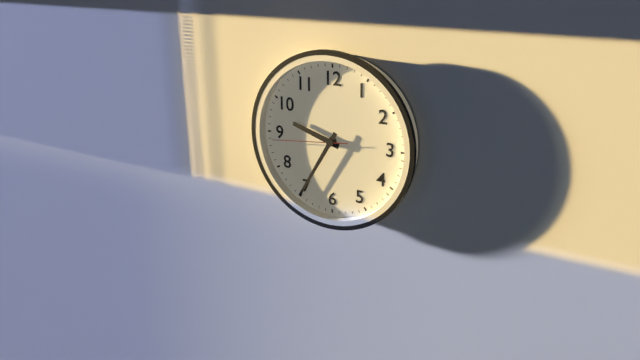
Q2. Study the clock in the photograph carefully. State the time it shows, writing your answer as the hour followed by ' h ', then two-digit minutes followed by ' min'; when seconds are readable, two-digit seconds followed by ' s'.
9 h 35 min 44 s
